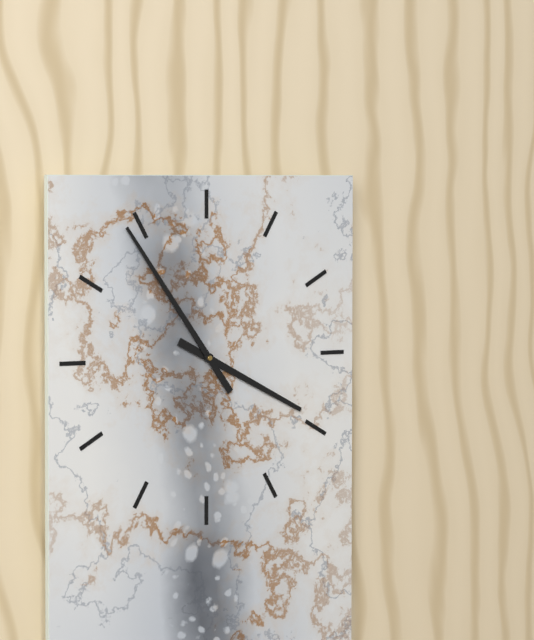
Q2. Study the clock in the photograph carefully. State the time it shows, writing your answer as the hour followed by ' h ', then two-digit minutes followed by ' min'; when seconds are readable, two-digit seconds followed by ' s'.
3 h 54 min
